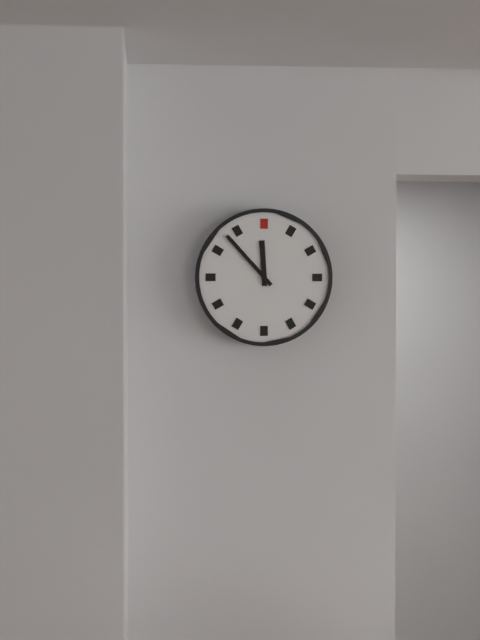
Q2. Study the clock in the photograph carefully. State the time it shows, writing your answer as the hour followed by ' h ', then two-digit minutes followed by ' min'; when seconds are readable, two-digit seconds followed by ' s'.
11 h 53 min
